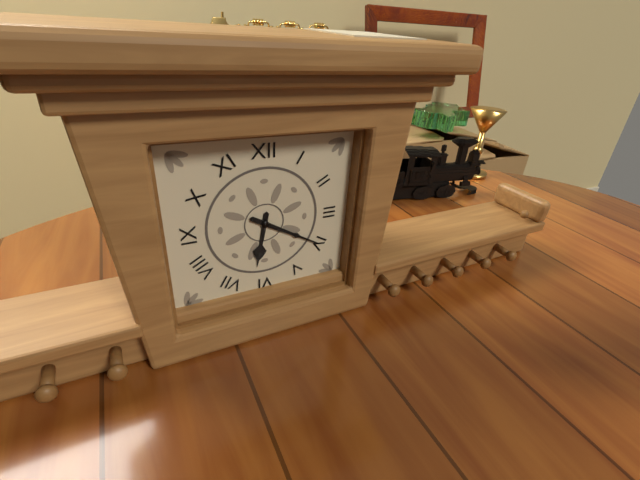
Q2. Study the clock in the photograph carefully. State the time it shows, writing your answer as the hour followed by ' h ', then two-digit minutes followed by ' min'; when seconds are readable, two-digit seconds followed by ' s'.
6 h 20 min
